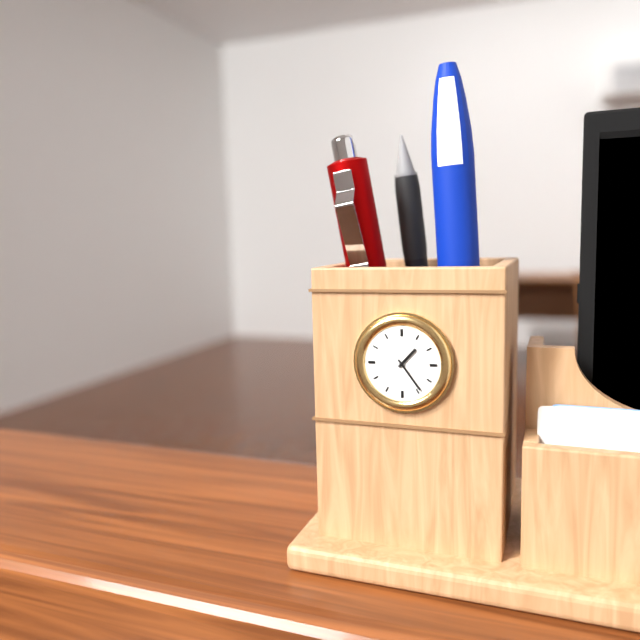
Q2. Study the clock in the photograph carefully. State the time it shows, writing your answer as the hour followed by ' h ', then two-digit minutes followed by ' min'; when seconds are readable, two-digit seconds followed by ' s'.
1 h 24 min
